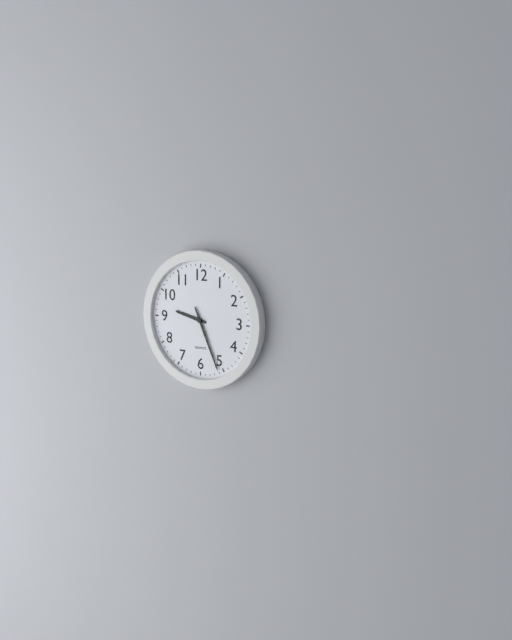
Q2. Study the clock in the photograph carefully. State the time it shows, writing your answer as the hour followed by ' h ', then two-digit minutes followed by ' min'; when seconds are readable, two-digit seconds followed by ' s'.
9 h 26 min
